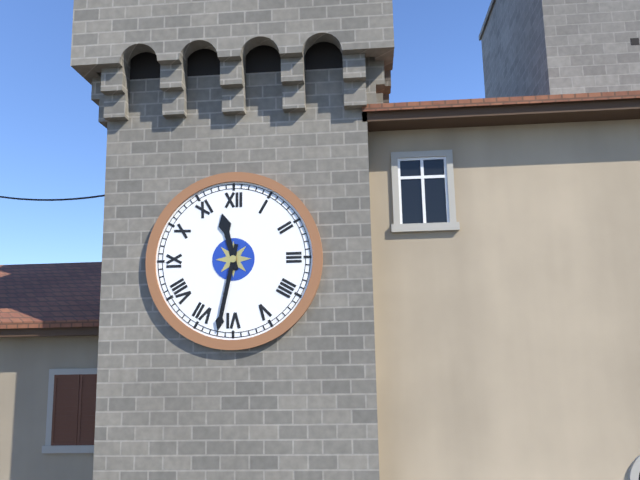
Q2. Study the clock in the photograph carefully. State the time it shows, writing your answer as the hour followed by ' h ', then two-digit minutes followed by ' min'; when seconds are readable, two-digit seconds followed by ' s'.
11 h 32 min
